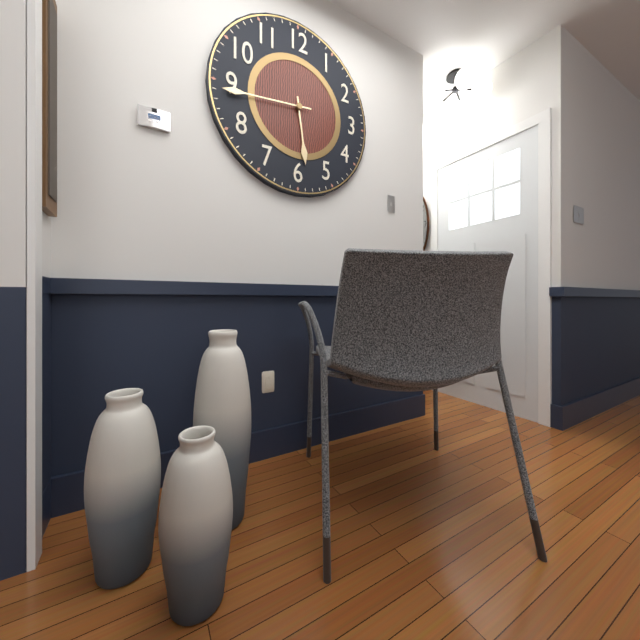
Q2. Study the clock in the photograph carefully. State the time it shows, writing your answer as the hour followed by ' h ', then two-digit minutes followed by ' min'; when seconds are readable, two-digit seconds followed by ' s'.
5 h 44 min
